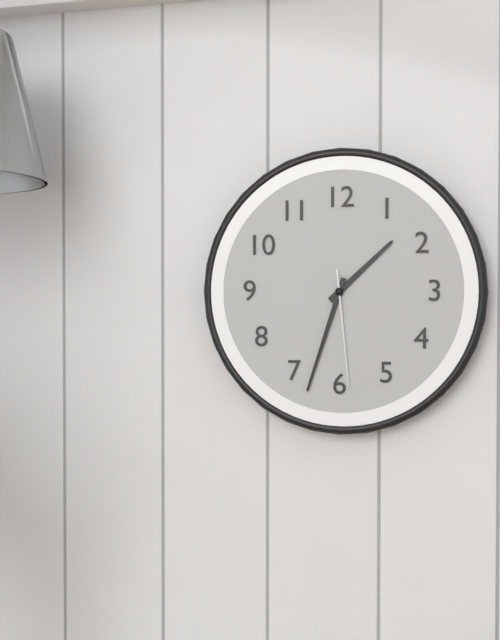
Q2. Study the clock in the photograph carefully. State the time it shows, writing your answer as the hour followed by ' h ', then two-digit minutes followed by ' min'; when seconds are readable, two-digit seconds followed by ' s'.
1 h 33 min 29 s
